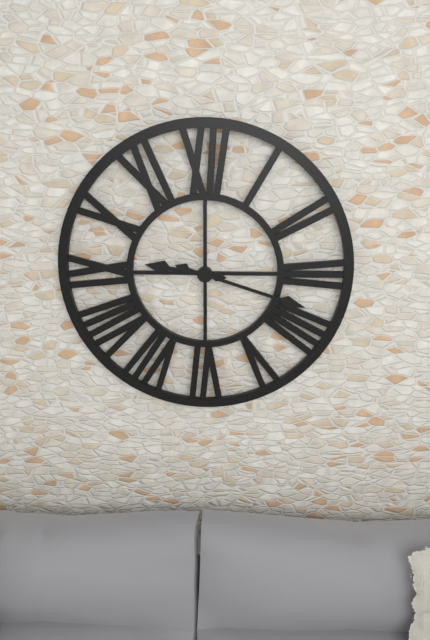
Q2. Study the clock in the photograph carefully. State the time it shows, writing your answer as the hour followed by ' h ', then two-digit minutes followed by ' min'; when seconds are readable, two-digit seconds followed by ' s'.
9 h 18 min
